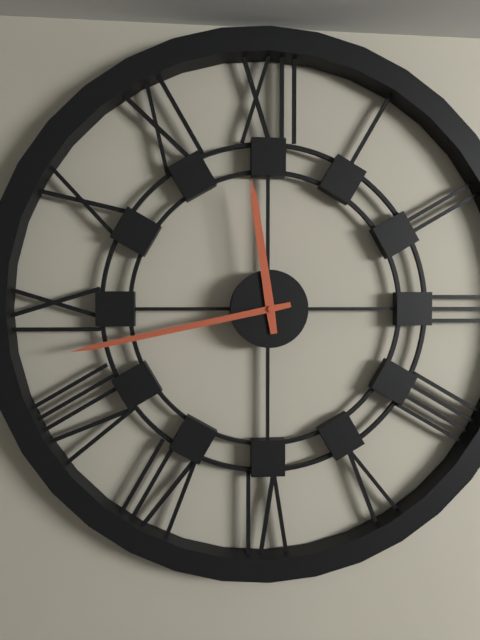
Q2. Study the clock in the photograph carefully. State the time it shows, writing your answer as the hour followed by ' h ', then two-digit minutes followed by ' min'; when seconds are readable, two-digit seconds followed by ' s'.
11 h 43 min
